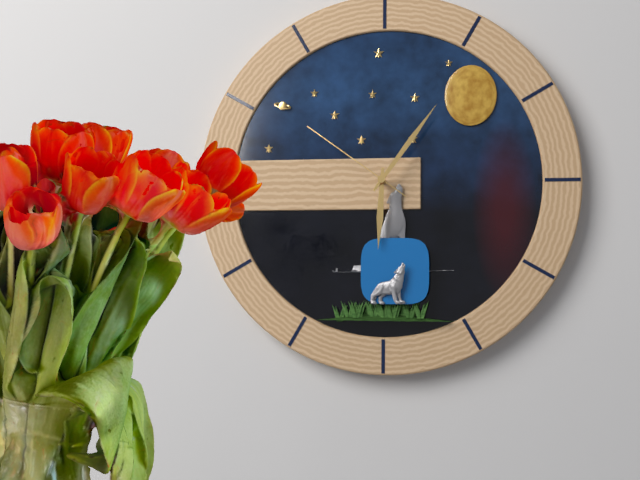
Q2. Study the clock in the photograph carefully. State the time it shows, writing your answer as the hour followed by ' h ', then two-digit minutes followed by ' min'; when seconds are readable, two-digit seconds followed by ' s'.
6 h 06 min 51 s
